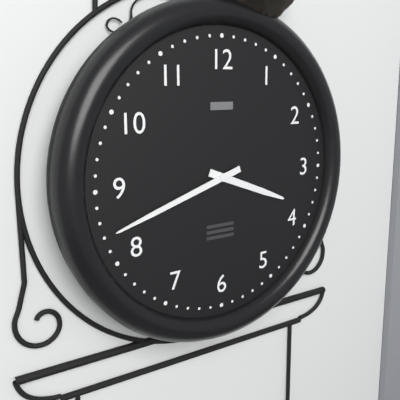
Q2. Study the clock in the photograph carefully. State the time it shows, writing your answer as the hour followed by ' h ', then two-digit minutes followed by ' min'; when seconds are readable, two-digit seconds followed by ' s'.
3 h 42 min
